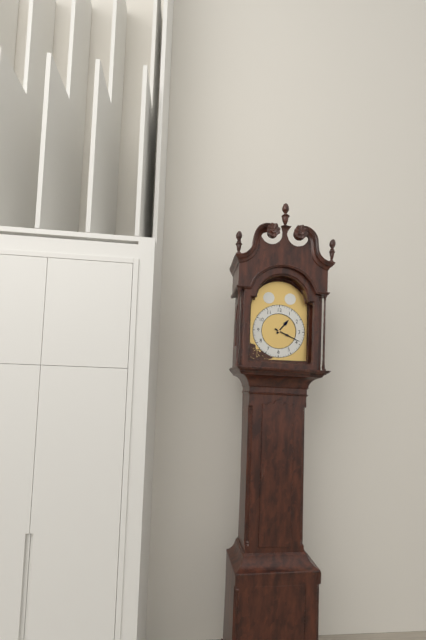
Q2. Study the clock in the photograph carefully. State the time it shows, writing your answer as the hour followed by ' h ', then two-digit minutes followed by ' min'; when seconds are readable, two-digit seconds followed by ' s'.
1 h 19 min
